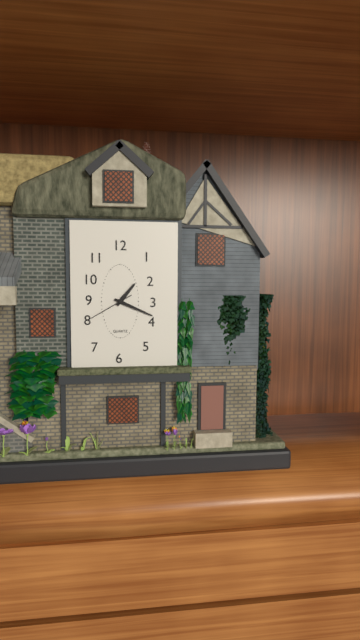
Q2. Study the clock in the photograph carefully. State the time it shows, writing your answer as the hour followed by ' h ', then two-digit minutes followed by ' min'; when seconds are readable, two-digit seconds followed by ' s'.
1 h 19 min
